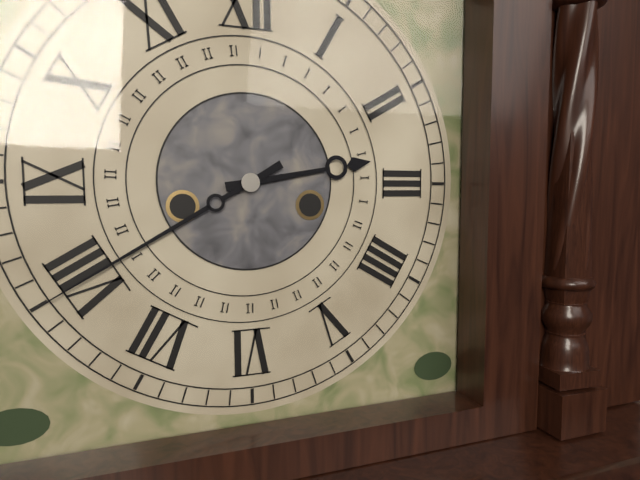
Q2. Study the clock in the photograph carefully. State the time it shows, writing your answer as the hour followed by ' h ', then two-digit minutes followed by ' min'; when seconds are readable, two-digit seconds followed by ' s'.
2 h 40 min
